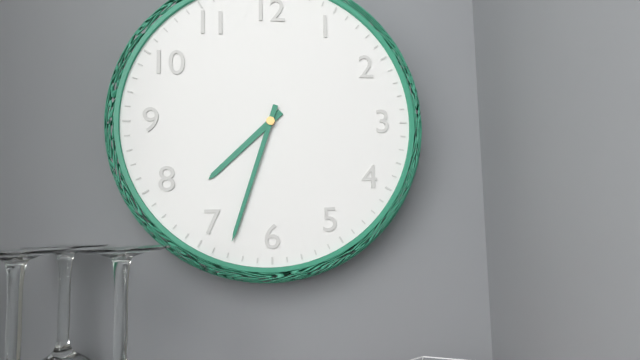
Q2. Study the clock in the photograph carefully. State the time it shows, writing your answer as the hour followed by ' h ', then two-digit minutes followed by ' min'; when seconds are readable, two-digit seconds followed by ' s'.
7 h 33 min
